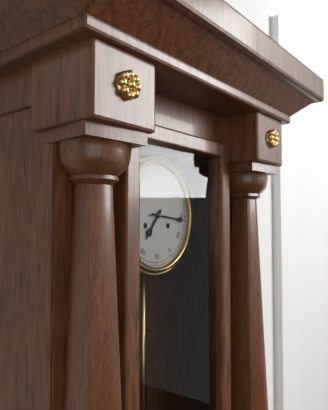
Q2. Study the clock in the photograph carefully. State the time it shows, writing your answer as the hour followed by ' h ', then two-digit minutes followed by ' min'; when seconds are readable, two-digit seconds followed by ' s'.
7 h 16 min
